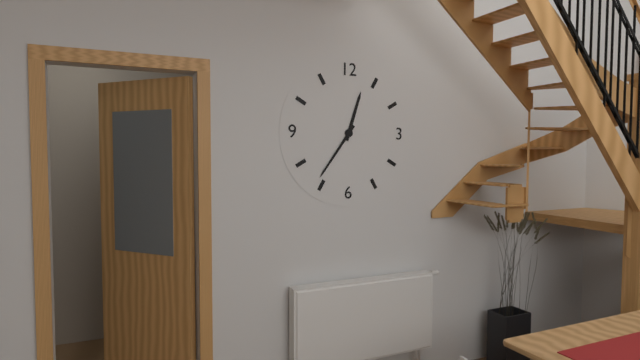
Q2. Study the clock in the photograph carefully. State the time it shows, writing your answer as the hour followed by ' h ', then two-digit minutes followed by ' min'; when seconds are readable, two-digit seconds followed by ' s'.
12 h 36 min
